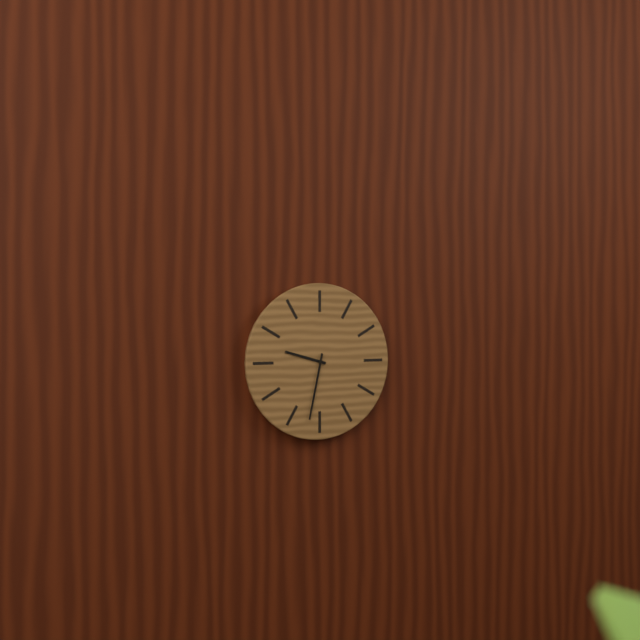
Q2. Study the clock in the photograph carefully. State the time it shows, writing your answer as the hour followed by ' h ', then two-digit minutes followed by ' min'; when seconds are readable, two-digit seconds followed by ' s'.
9 h 32 min
